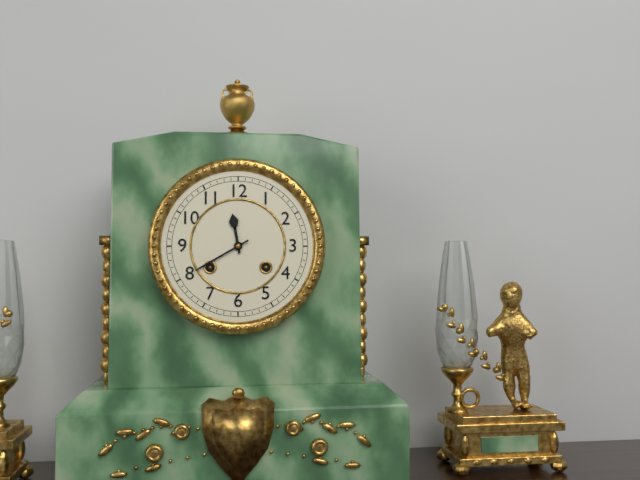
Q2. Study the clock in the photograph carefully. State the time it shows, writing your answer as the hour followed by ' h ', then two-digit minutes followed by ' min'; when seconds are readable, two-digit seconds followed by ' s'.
11 h 40 min
